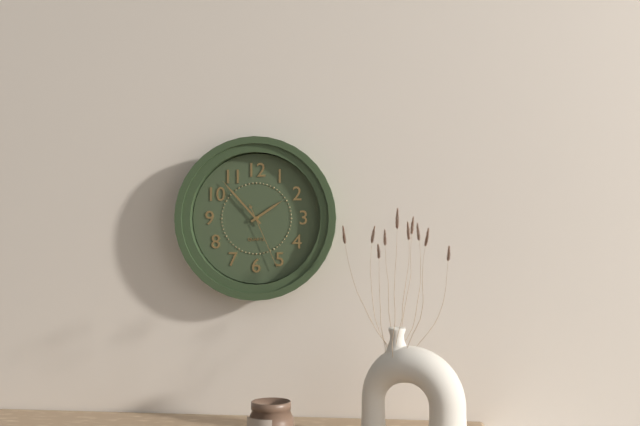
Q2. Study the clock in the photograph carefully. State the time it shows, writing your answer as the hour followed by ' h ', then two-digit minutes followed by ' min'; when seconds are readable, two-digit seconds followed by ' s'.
1 h 53 min 26 s
